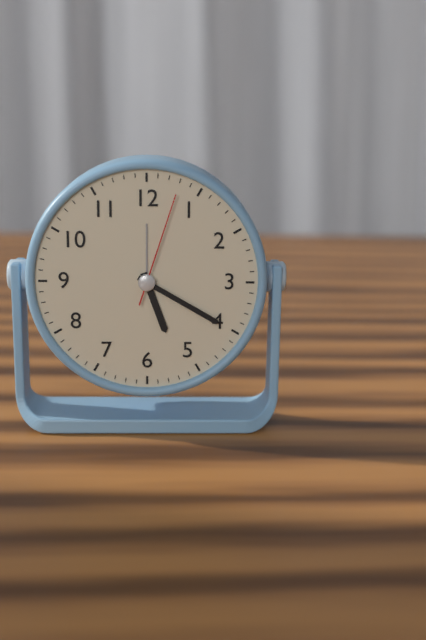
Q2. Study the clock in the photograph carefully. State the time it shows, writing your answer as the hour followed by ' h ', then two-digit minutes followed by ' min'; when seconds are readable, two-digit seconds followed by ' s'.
5 h 20 min 03 s
